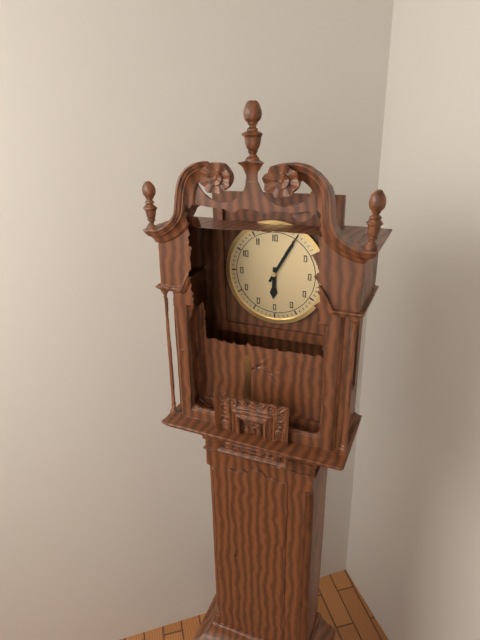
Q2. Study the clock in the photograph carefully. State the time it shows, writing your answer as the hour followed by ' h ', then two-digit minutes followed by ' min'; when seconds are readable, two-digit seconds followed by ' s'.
6 h 05 min
